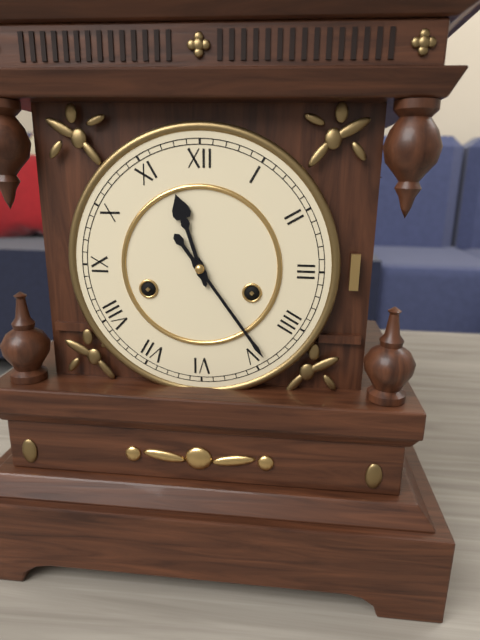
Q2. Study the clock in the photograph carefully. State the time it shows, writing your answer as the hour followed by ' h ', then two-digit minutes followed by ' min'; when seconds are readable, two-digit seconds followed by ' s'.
11 h 24 min
